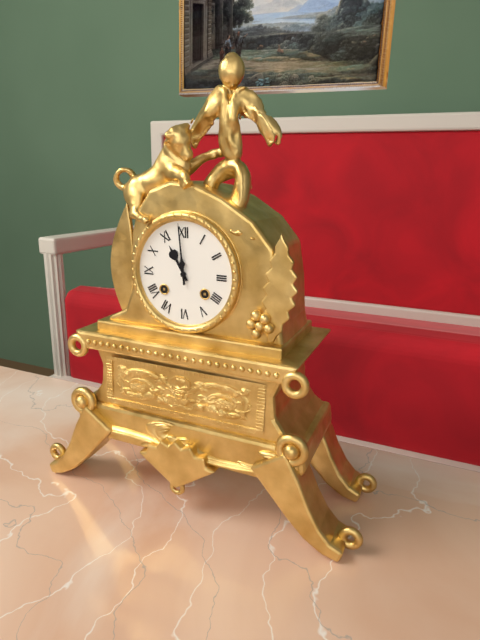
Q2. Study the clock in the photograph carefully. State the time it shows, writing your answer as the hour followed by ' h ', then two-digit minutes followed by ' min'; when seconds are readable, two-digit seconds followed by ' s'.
10 h 59 min
